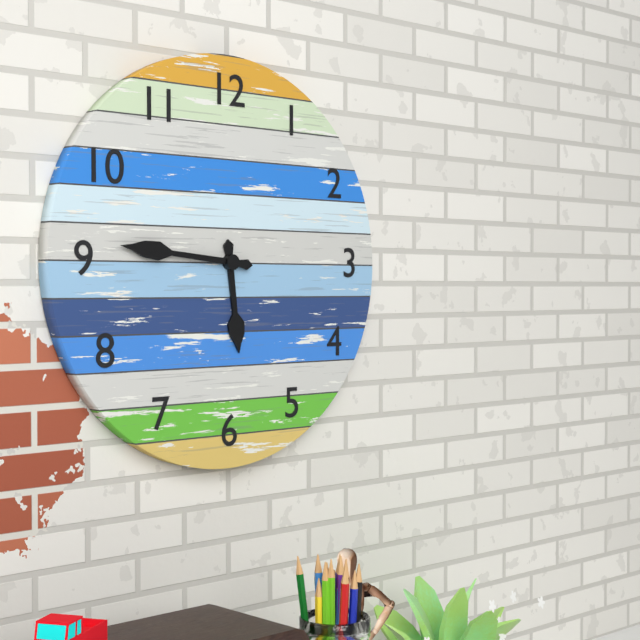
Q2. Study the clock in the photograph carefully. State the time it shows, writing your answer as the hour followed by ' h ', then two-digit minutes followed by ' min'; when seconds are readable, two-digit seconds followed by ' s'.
5 h 46 min
